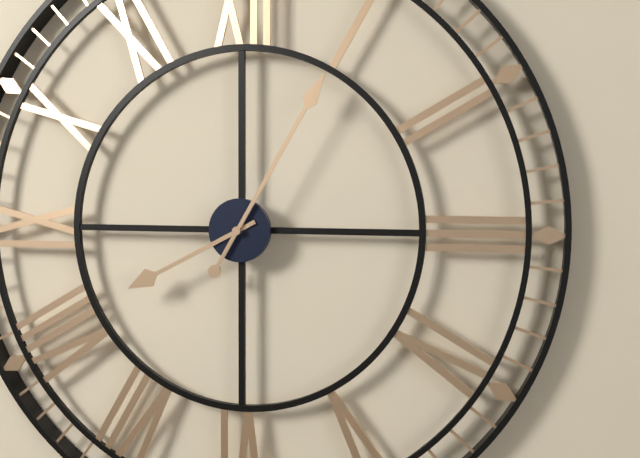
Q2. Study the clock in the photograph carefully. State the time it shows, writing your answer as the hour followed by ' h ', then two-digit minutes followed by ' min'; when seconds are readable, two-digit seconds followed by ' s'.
8 h 05 min
